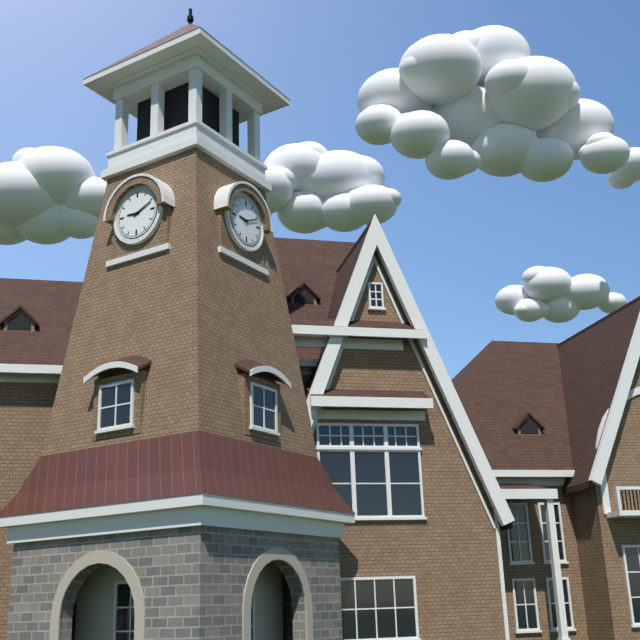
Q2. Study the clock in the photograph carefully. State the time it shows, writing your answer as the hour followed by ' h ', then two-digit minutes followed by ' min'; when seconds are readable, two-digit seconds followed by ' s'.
9 h 11 min
